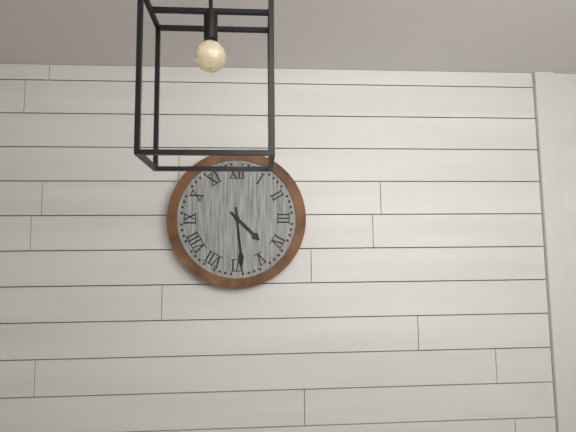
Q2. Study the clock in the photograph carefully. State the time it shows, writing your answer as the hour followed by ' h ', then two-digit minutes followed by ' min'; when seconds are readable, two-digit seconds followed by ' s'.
4 h 29 min
